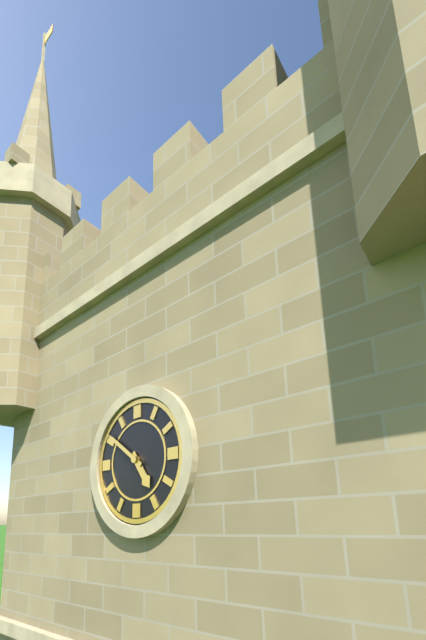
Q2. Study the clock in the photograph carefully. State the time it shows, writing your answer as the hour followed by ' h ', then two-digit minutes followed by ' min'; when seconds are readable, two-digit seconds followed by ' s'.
4 h 51 min
